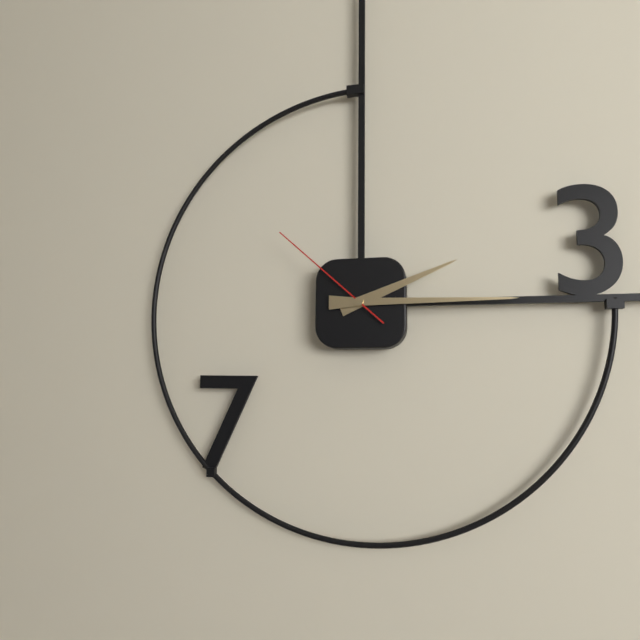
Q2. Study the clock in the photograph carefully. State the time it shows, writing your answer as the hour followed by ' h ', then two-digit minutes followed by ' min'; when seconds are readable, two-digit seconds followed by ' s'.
2 h 15 min 52 s
